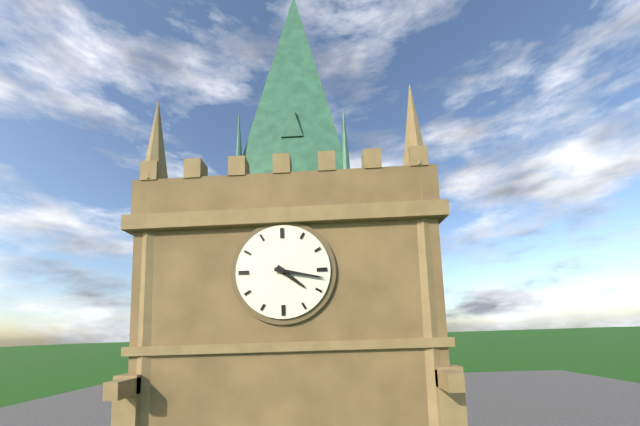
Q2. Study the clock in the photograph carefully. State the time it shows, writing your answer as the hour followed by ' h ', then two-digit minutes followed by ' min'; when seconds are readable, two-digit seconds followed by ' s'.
4 h 17 min
